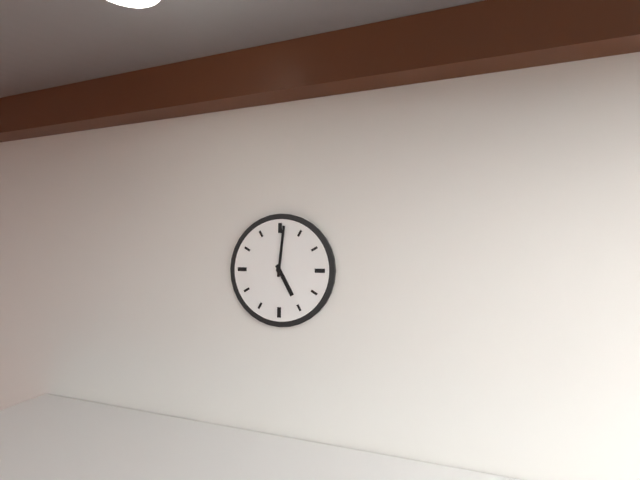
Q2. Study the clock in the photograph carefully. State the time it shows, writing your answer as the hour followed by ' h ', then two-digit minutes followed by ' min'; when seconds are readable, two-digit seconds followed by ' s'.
5 h 01 min
